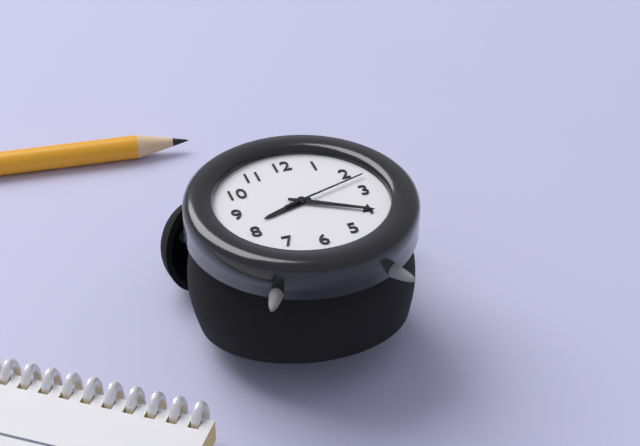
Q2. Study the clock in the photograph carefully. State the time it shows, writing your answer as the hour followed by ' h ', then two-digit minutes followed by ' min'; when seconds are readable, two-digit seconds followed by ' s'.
8 h 20 min 12 s
